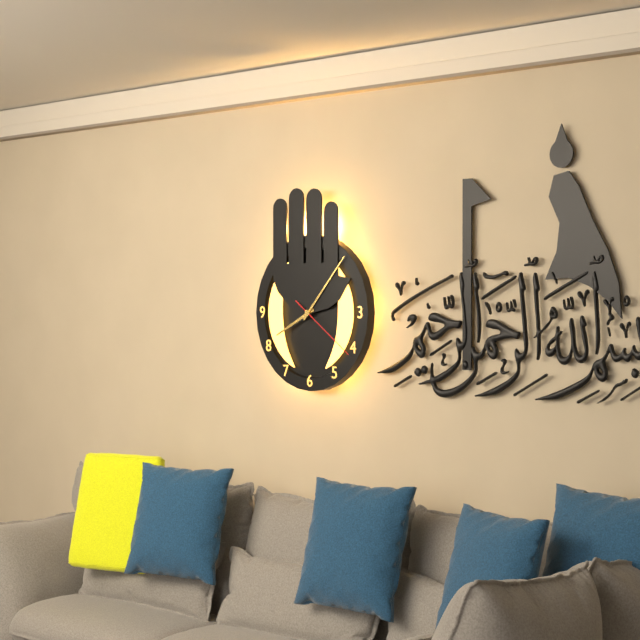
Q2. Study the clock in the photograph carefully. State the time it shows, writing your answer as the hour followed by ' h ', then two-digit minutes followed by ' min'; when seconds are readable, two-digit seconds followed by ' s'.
8 h 07 min 21 s
